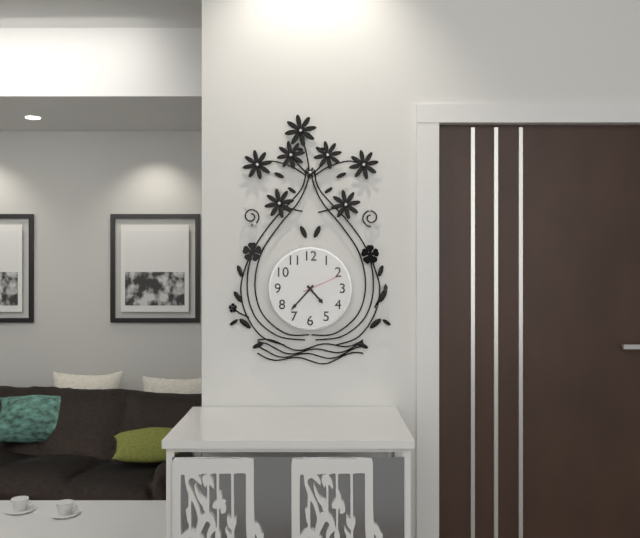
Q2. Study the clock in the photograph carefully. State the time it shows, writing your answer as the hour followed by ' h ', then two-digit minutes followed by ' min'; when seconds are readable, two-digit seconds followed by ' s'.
4 h 37 min
